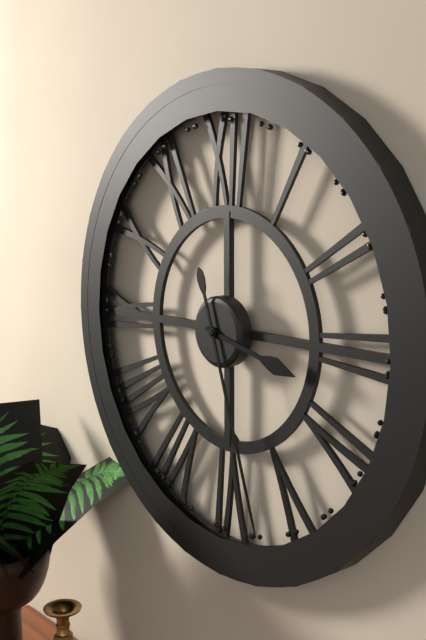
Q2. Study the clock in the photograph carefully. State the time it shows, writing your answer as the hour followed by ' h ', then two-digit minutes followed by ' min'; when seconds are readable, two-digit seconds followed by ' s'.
3 h 27 min
